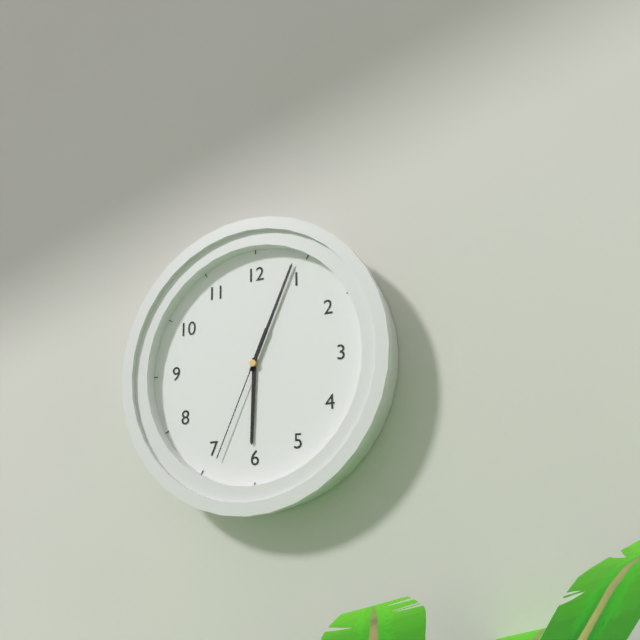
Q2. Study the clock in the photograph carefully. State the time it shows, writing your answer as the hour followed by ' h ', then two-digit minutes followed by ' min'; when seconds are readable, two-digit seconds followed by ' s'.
6 h 04 min 34 s
